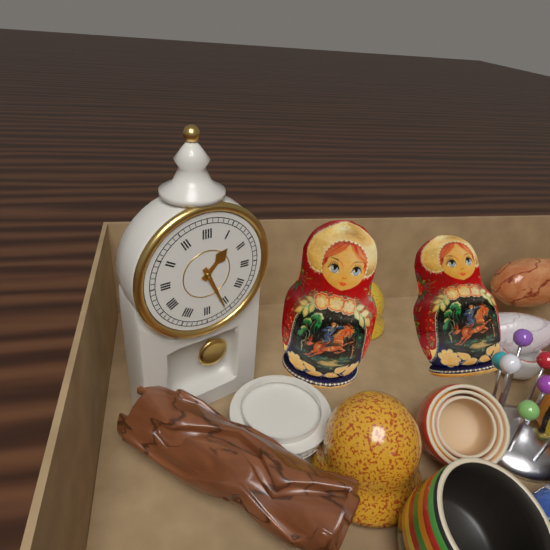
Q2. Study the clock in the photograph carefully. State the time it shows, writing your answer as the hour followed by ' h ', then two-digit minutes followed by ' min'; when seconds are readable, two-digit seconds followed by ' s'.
1 h 26 min
